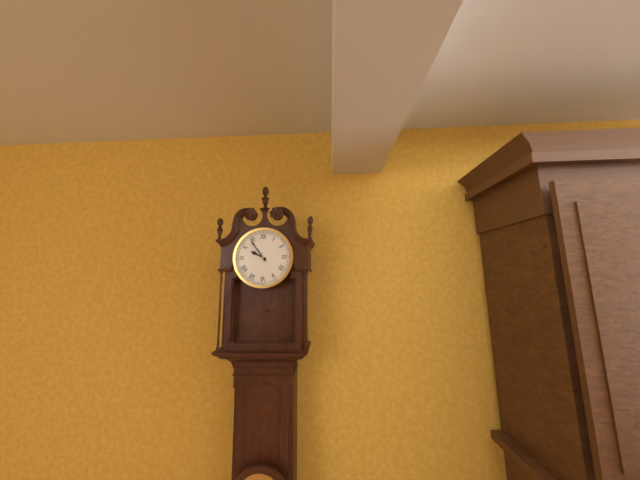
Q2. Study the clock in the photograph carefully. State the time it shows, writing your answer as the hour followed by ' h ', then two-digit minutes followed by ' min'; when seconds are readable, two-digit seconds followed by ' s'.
9 h 54 min
